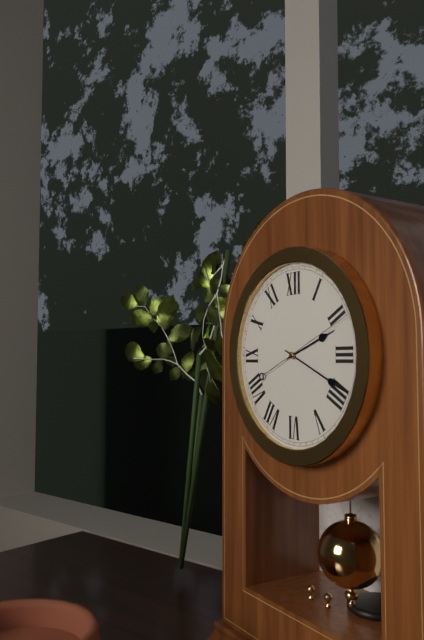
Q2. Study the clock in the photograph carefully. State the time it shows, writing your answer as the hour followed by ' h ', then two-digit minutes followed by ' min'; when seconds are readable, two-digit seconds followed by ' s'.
2 h 19 min 11 s
